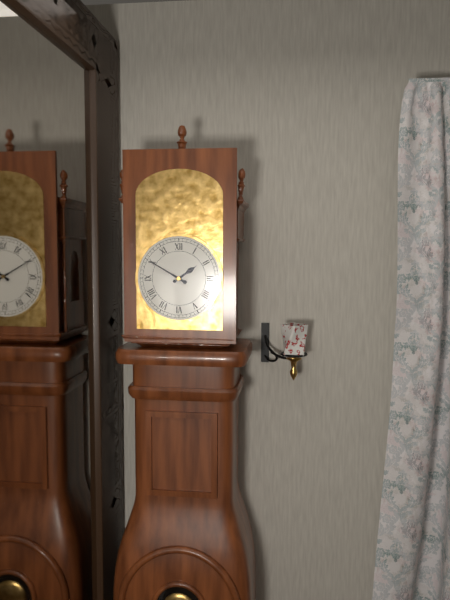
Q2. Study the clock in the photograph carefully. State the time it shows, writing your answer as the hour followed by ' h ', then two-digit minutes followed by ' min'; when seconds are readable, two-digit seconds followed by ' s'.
1 h 50 min
